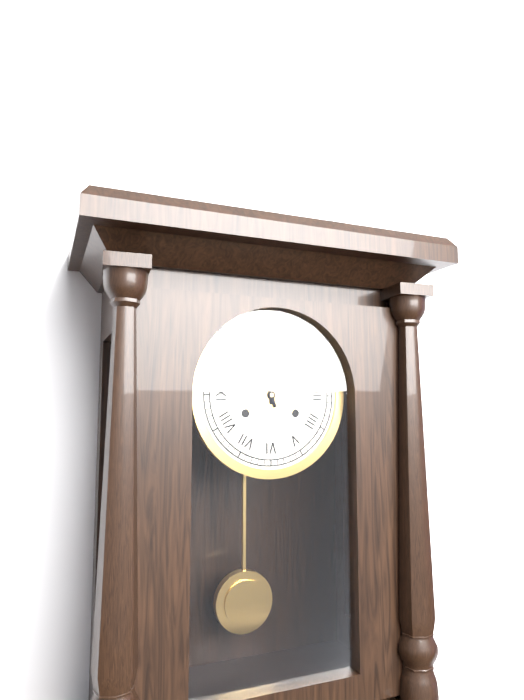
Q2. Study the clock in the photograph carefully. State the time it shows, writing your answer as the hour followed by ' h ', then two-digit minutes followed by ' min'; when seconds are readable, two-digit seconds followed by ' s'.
11 h 57 min
